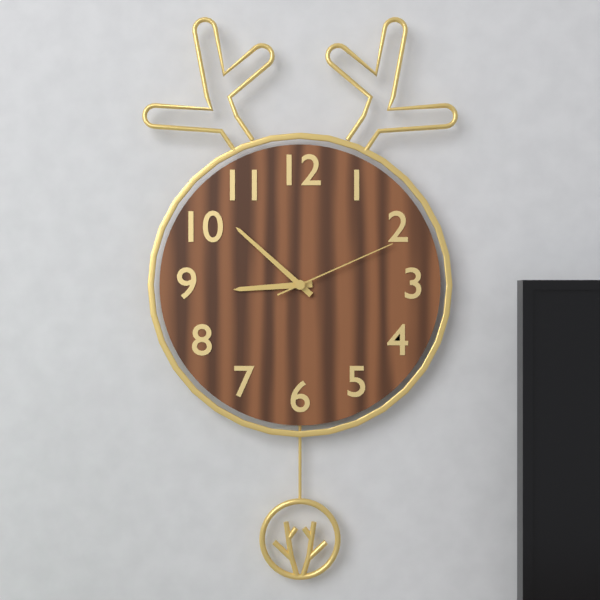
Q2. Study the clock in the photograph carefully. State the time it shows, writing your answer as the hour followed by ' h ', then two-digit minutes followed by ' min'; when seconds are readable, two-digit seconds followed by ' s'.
8 h 52 min 11 s
